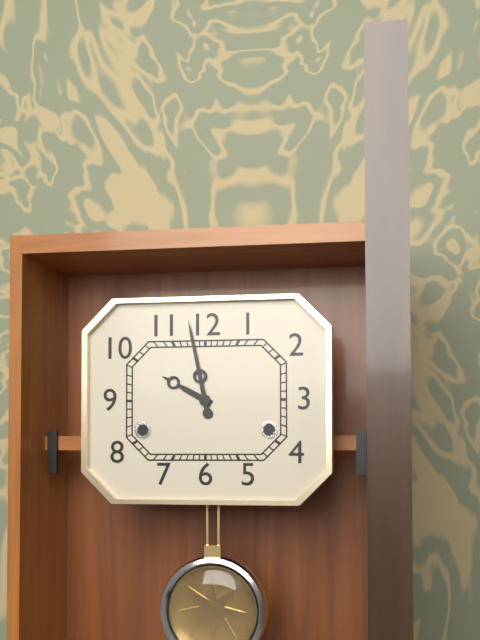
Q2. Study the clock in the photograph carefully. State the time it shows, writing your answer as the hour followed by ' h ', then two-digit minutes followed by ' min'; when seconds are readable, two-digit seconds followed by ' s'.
9 h 58 min
